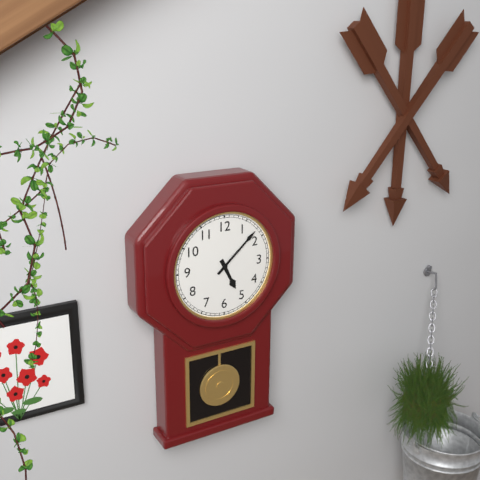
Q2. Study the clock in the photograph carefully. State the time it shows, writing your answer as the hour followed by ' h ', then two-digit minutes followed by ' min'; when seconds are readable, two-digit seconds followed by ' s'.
5 h 08 min
